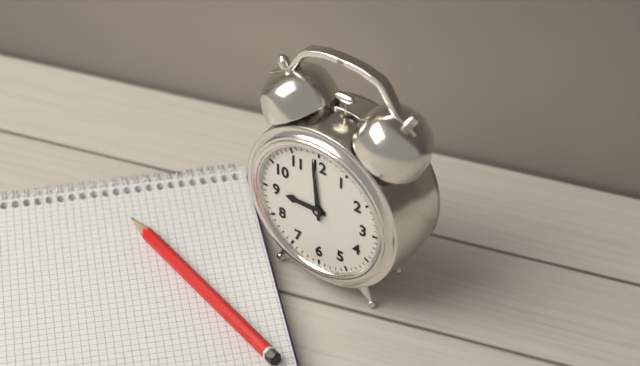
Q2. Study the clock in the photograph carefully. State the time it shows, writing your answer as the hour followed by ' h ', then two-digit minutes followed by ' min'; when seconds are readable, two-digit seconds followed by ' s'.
8 h 59 min
